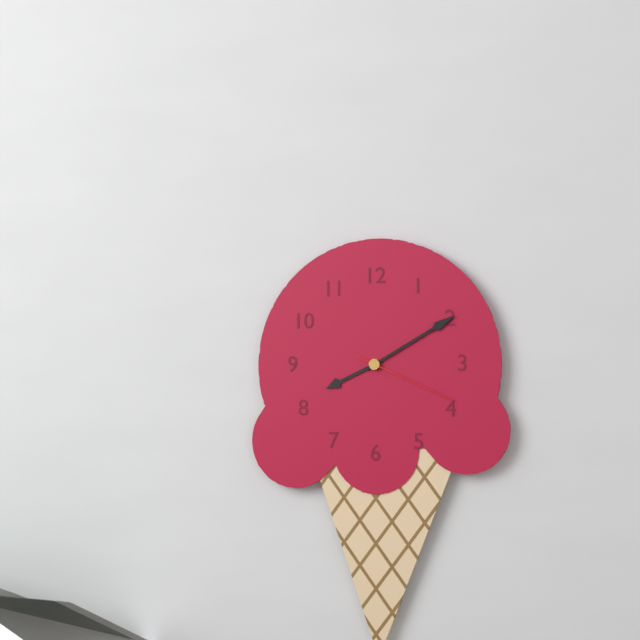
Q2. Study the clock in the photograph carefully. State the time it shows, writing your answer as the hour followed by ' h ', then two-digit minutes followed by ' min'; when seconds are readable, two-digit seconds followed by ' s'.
8 h 10 min 19 s
